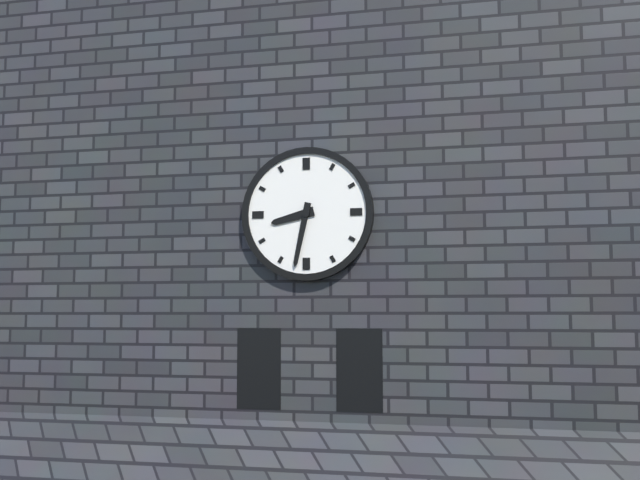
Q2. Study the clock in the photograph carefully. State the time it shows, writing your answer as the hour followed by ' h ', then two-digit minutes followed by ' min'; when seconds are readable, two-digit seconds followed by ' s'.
8 h 32 min
